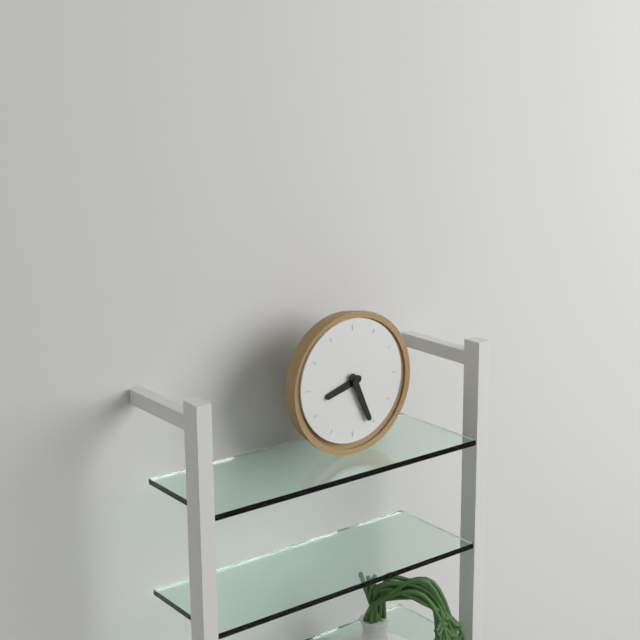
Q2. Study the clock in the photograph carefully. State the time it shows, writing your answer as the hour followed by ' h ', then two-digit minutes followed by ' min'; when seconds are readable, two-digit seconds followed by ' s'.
8 h 26 min
